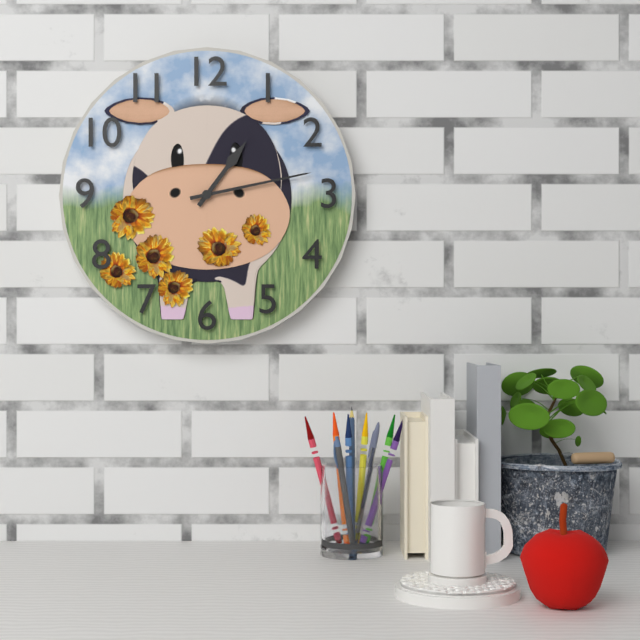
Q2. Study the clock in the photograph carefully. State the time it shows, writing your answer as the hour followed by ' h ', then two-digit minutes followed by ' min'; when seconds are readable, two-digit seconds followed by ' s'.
1 h 13 min
